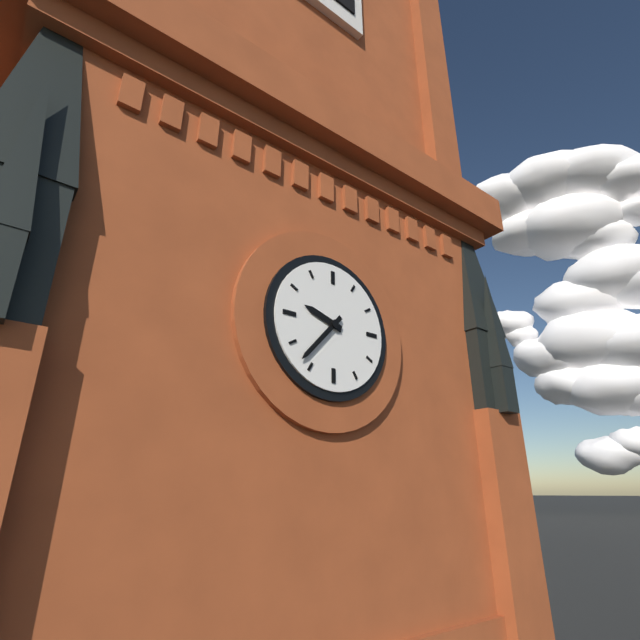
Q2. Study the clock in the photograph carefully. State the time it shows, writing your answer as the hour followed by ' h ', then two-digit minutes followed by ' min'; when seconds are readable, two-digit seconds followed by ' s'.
9 h 37 min
